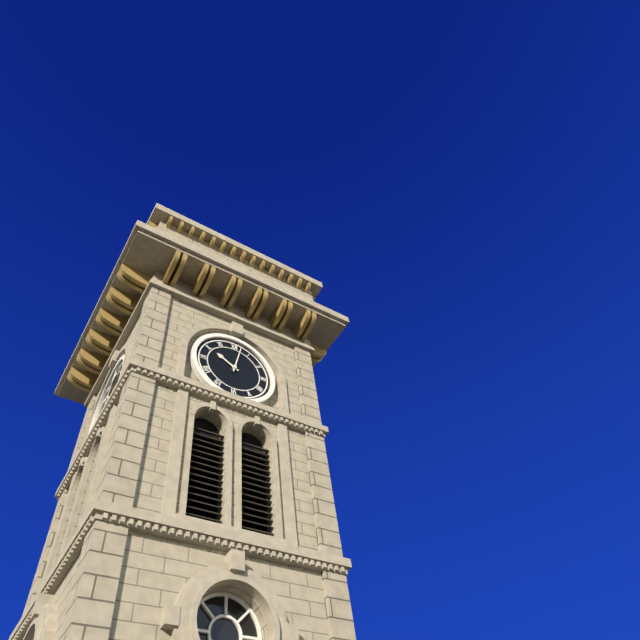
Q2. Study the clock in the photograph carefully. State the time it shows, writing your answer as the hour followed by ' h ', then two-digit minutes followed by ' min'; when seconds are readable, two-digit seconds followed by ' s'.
10 h 02 min
